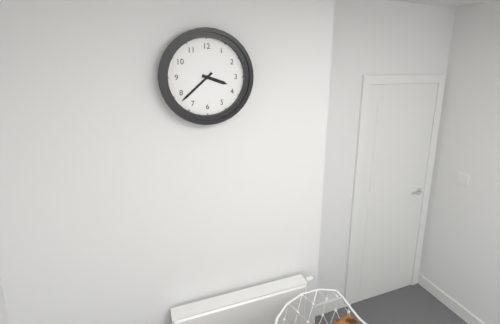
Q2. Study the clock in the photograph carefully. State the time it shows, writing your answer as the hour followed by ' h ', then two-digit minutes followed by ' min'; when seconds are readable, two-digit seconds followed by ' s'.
3 h 38 min
